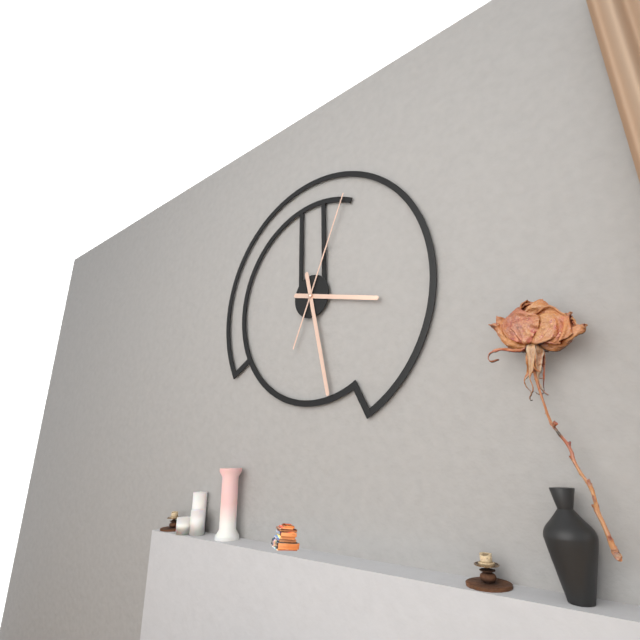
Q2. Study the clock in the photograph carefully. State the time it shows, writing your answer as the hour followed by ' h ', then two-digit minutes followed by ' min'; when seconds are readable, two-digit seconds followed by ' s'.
3 h 28 min 04 s
